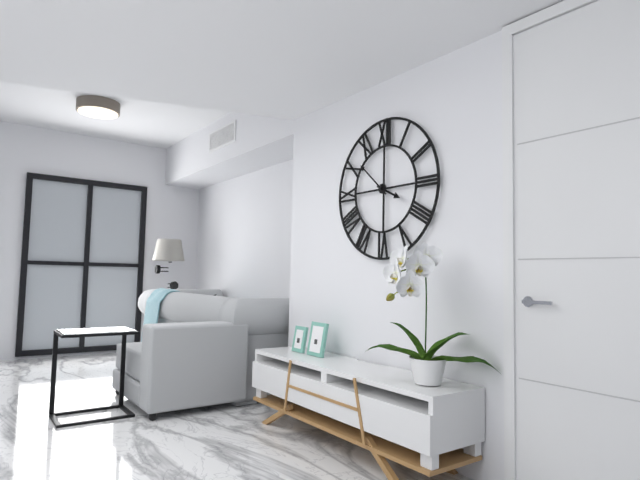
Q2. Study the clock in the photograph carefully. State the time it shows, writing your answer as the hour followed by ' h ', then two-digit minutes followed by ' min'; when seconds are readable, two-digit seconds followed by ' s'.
3 h 52 min
